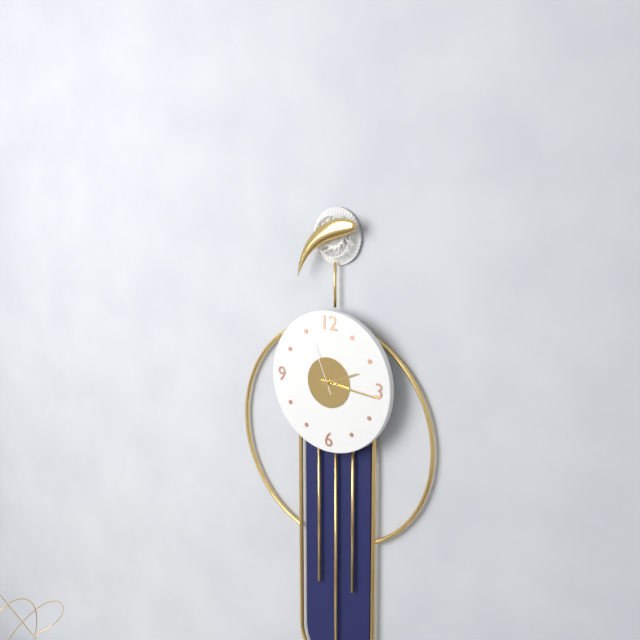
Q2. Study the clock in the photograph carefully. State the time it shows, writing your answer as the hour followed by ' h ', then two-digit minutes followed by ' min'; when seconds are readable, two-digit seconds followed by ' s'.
2 h 16 min 56 s
